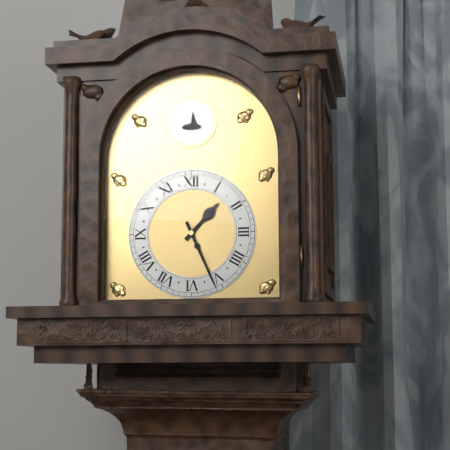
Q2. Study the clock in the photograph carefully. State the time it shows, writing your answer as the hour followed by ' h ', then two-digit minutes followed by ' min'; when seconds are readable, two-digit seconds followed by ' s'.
1 h 26 min
